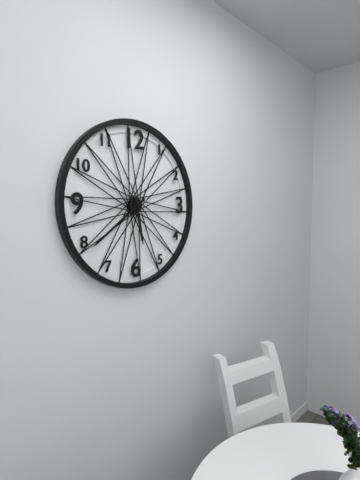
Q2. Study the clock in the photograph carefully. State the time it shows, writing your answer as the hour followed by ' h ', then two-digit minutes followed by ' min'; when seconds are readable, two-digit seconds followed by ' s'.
5 h 39 min
